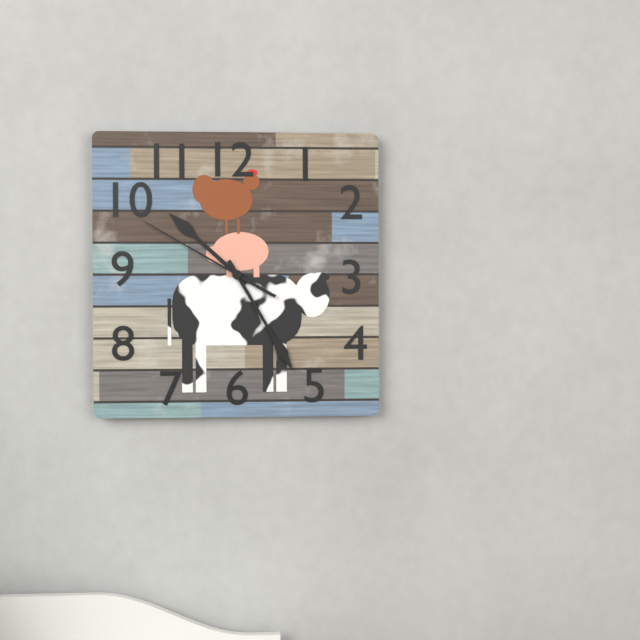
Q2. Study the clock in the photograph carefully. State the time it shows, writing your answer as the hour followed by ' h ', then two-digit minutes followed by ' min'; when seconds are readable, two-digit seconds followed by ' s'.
10 h 25 min 50 s
